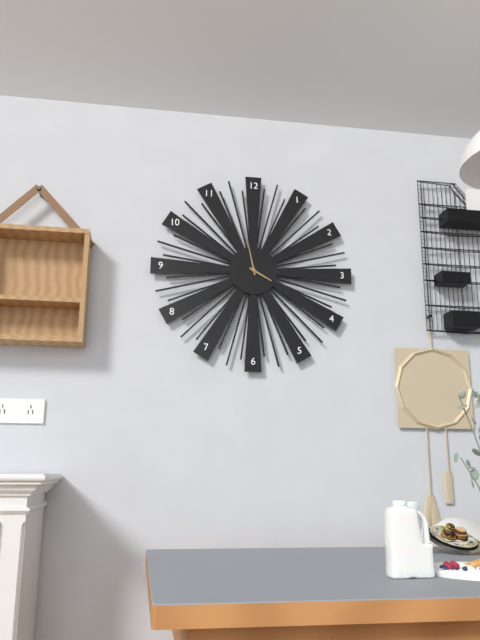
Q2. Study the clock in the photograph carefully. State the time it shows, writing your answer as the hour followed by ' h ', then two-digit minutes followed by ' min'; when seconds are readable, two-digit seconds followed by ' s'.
3 h 58 min
